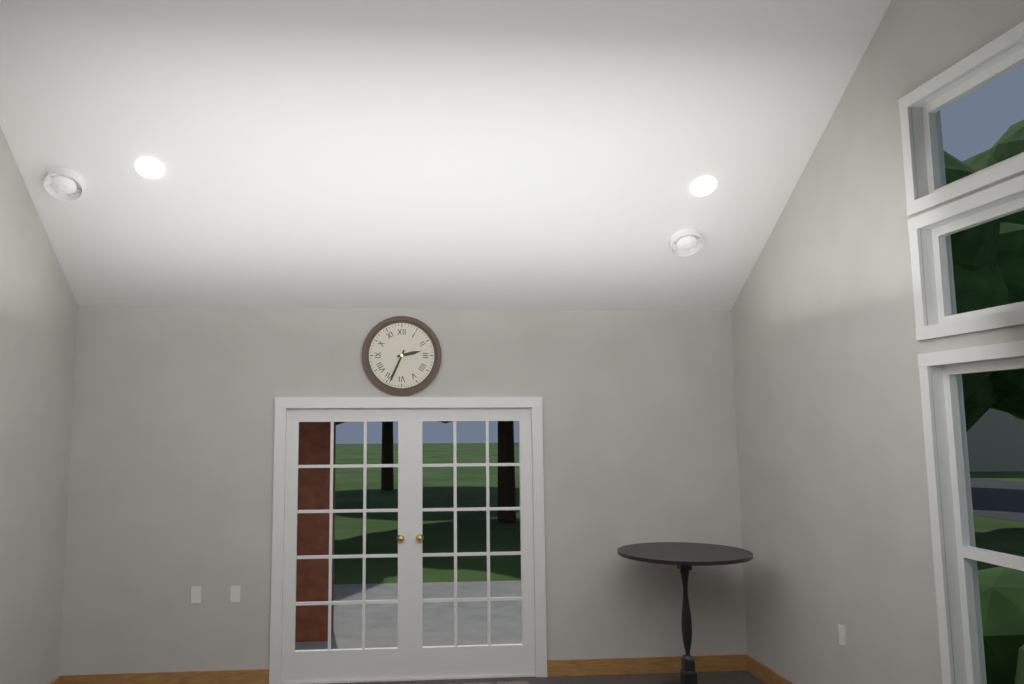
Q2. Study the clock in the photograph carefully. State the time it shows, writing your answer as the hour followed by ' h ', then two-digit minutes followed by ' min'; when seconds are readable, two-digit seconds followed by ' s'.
2 h 34 min
